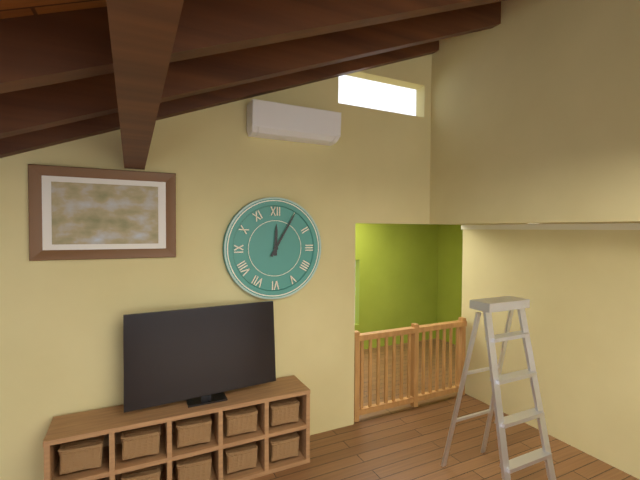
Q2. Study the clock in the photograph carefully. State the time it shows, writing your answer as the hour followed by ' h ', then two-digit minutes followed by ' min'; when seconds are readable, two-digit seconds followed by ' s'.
12 h 05 min
